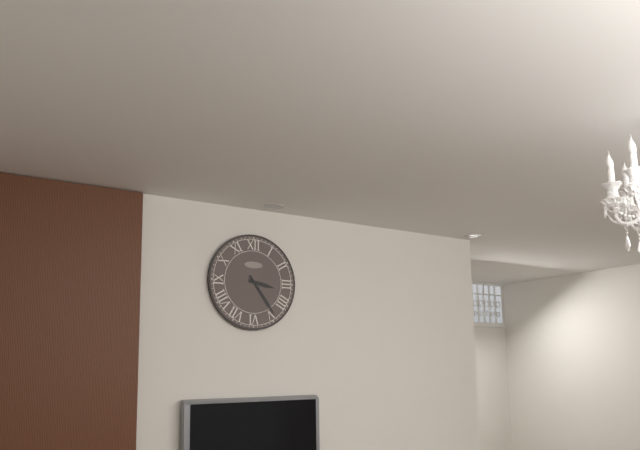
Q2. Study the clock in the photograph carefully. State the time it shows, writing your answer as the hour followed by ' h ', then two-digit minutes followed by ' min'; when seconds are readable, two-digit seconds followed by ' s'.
3 h 24 min
